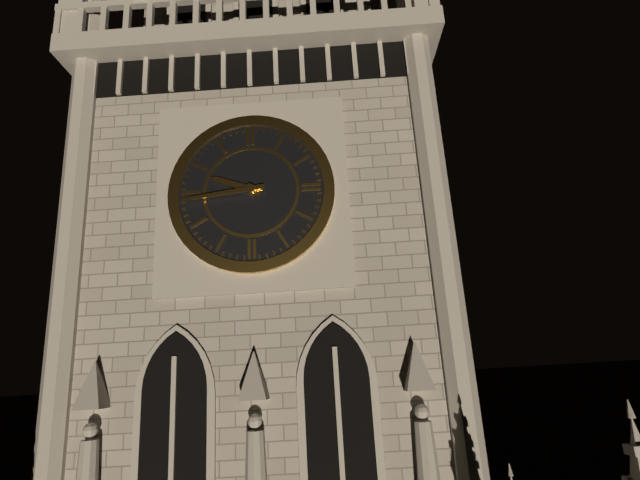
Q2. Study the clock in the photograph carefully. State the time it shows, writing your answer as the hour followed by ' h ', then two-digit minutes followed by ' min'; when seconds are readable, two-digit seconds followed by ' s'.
9 h 44 min
